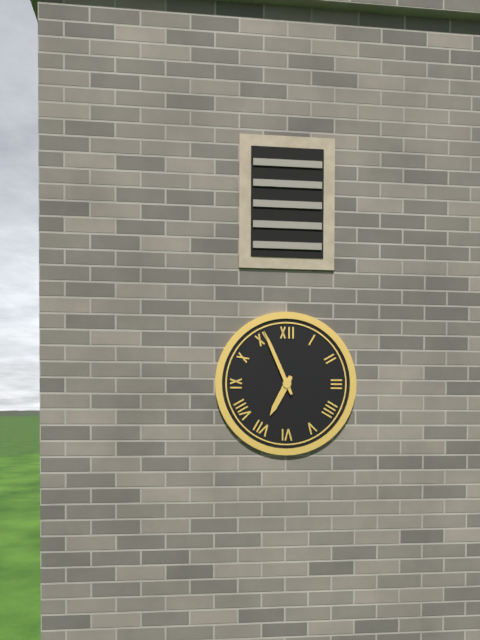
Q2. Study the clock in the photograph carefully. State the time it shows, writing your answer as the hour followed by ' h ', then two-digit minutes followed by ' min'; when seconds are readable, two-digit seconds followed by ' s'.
6 h 56 min
